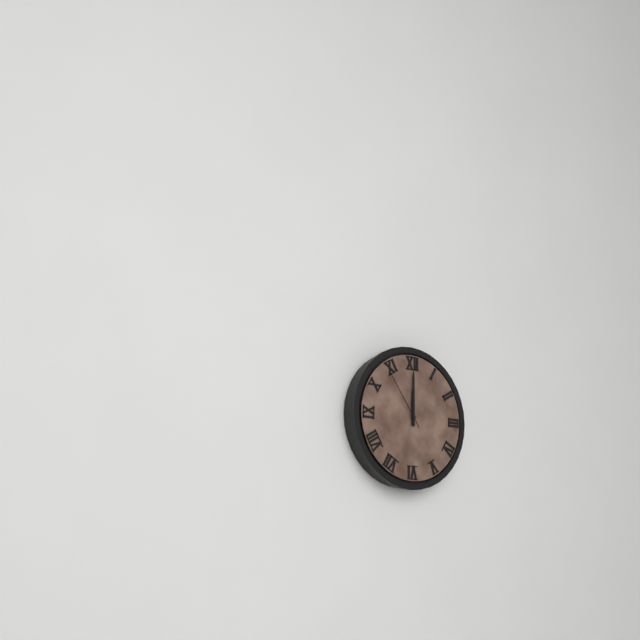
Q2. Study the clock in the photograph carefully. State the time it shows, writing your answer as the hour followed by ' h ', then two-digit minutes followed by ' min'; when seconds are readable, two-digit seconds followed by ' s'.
12 h 00 min 54 s
